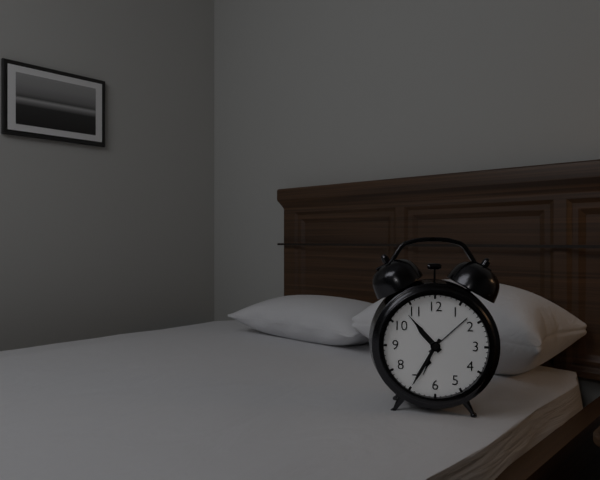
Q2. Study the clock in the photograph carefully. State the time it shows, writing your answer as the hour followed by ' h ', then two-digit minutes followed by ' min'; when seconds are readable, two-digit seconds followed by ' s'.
10 h 35 min
